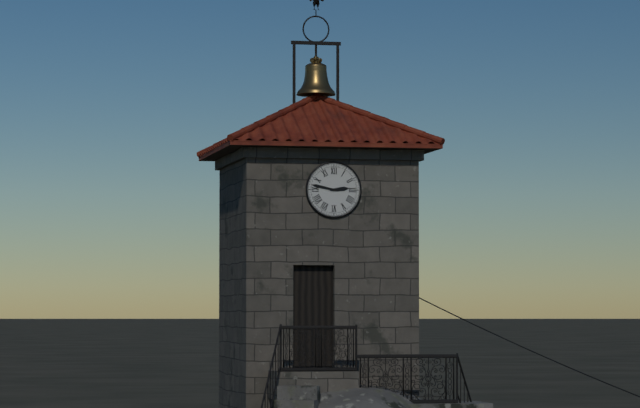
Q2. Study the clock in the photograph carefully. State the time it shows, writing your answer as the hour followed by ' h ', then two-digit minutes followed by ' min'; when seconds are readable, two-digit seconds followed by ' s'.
2 h 47 min
